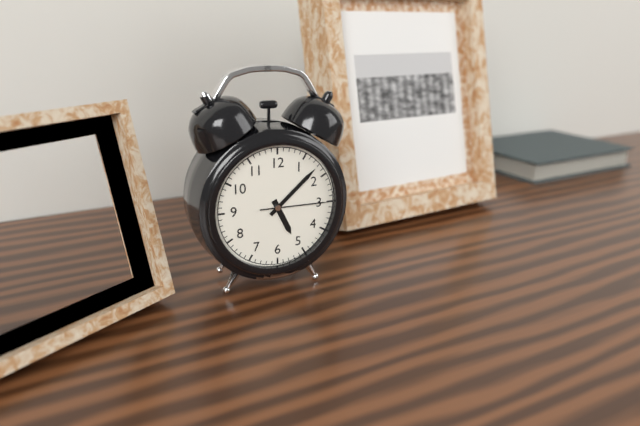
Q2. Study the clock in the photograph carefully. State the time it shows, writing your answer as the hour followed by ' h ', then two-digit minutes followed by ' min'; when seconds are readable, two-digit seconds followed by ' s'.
5 h 08 min 15 s
